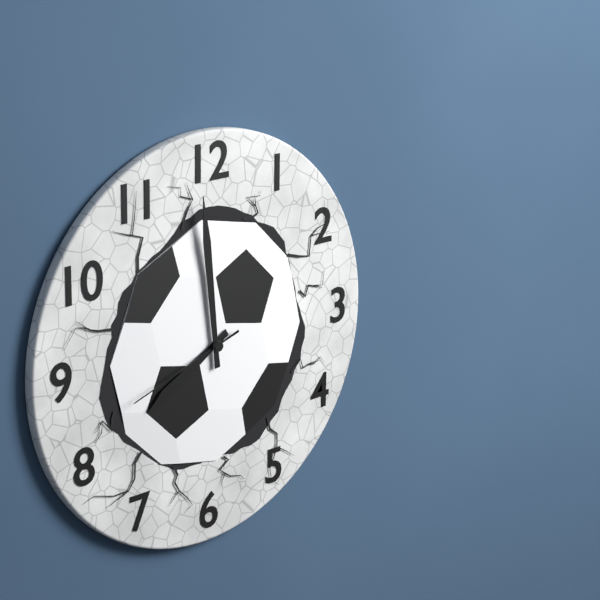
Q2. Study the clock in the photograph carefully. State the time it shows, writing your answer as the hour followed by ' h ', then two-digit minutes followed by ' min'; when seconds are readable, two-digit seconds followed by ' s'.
7 h 59 min 42 s
